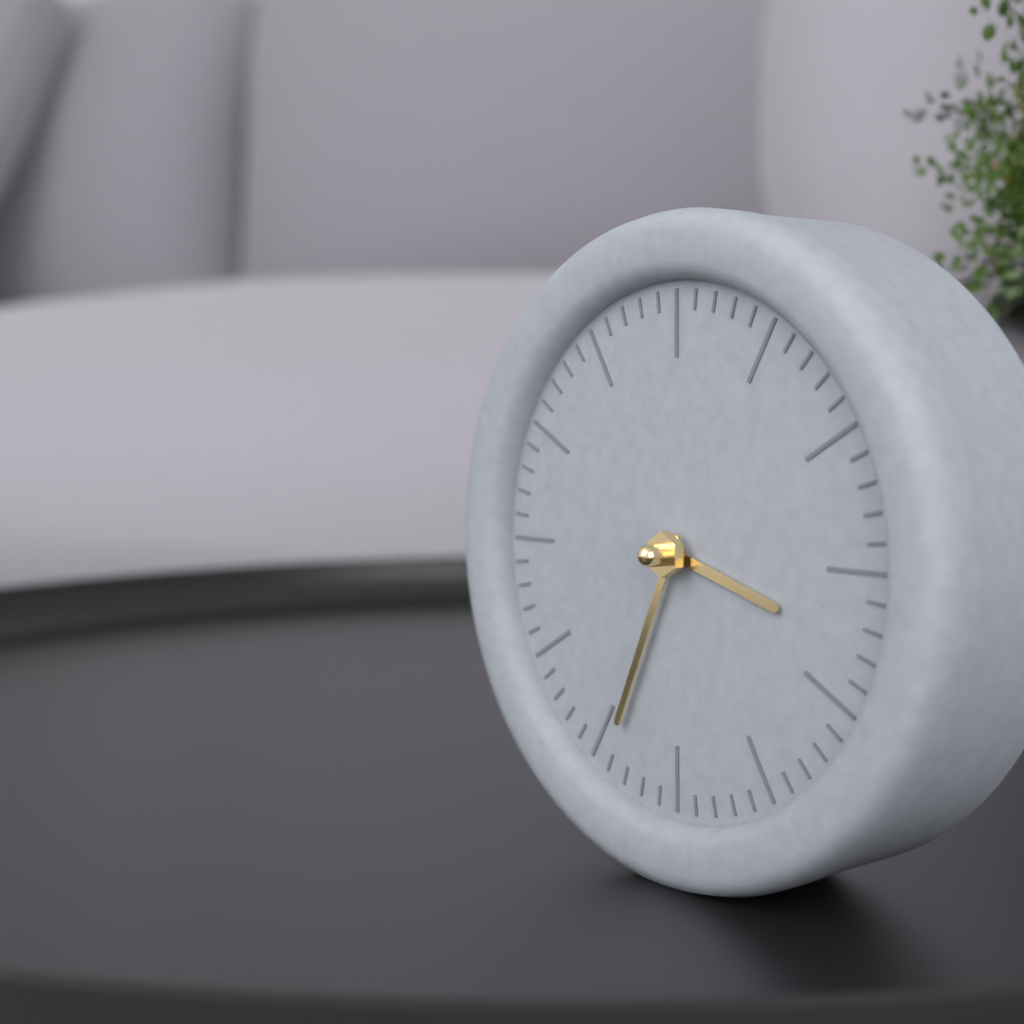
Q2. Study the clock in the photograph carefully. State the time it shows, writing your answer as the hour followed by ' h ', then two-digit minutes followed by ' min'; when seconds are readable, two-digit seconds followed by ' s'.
3 h 34 min
